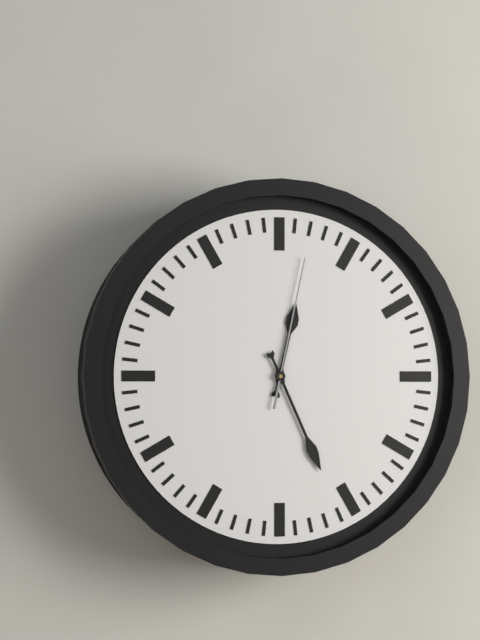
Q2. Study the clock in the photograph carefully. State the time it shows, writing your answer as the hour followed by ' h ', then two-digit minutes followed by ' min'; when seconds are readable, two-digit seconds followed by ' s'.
12 h 26 min 02 s
